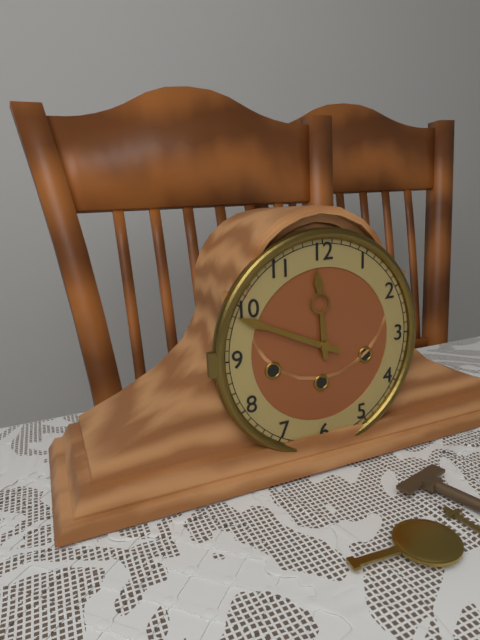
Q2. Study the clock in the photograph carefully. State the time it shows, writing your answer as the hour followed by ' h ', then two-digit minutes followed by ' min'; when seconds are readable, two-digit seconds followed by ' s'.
11 h 49 min
